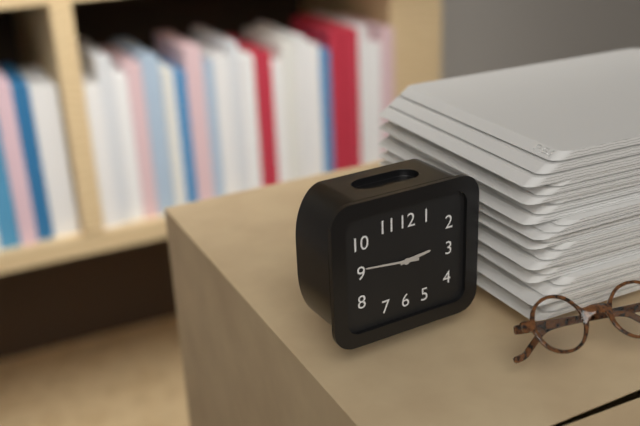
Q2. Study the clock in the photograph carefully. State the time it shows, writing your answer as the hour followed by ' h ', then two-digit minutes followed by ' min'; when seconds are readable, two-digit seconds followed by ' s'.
2 h 46 min
